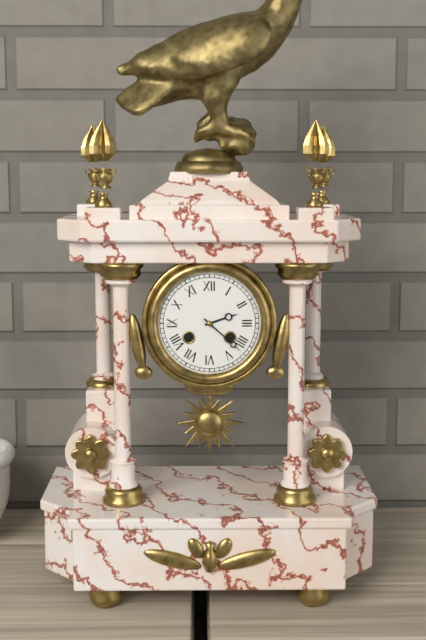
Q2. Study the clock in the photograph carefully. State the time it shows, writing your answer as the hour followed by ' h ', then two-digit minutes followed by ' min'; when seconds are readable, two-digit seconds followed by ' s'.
2 h 22 min
